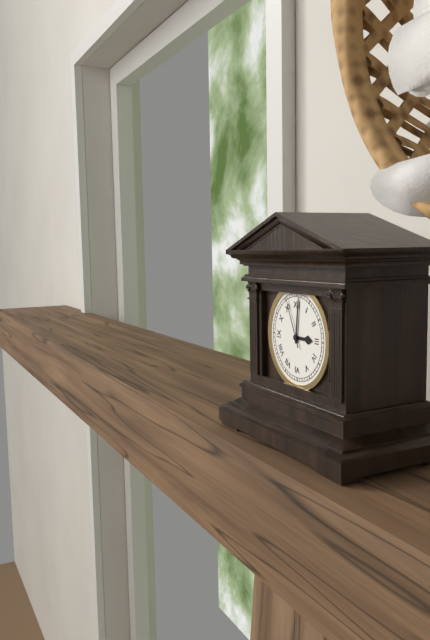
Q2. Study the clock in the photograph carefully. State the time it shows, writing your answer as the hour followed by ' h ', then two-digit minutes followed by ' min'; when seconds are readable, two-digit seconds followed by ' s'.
3 h 01 min 56 s
